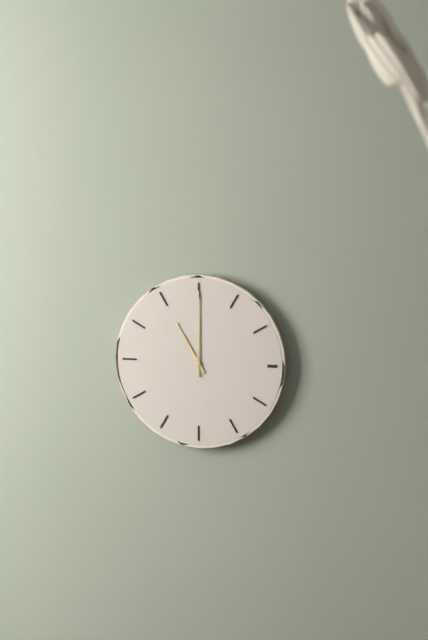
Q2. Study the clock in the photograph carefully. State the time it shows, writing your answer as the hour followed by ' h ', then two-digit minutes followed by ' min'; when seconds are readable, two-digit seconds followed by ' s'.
11 h 00 min
